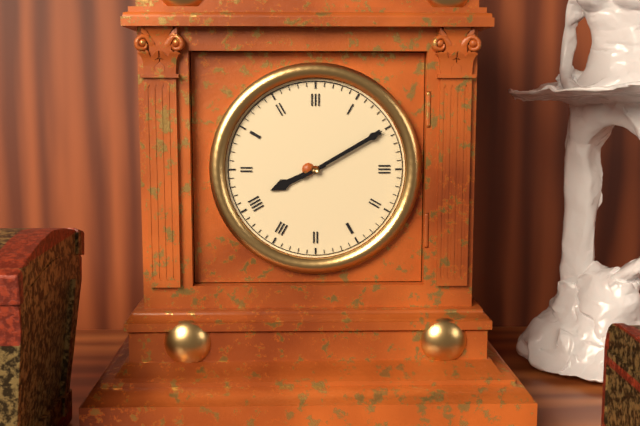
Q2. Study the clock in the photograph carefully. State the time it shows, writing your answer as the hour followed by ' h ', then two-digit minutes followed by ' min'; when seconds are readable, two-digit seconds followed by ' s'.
8 h 10 min
